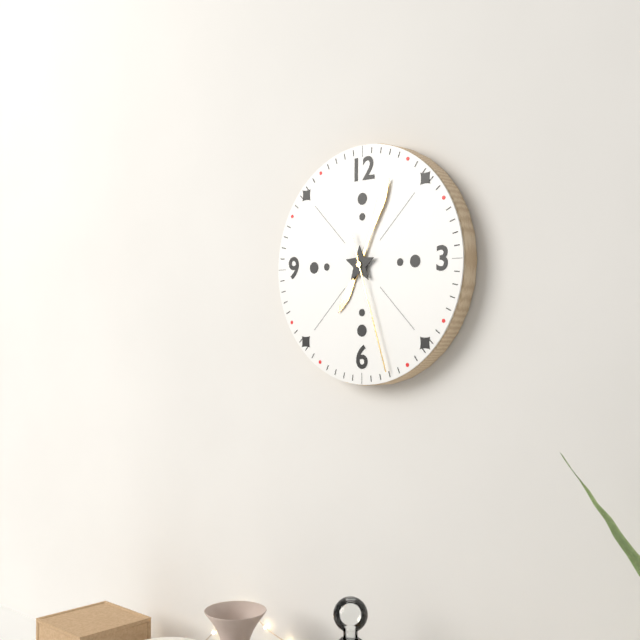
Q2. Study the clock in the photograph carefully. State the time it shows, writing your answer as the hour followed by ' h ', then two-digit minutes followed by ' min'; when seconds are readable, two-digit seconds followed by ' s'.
7 h 04 min 27 s
